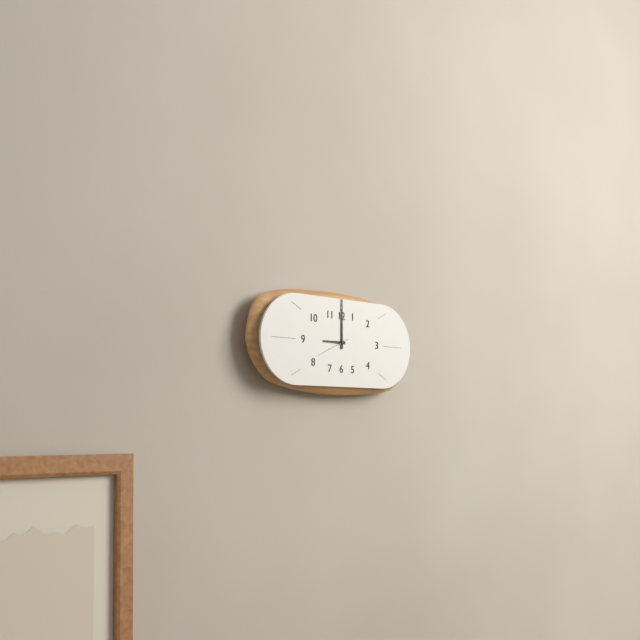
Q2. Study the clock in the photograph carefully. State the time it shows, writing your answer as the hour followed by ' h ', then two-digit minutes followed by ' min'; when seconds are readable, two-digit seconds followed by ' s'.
9 h 00 min
